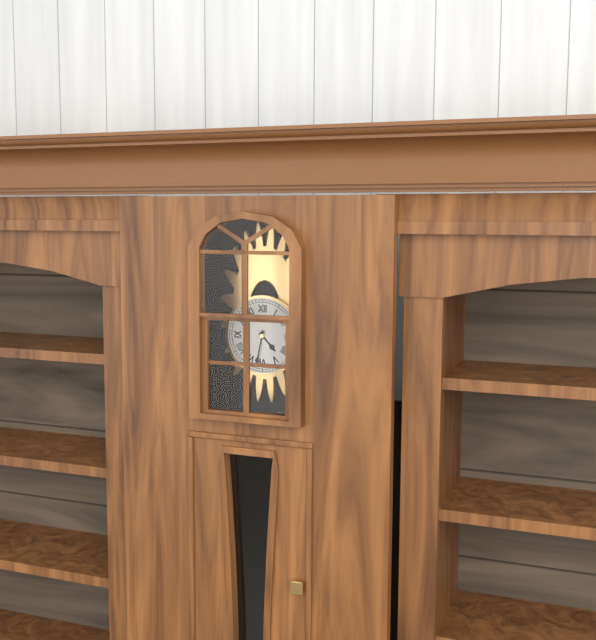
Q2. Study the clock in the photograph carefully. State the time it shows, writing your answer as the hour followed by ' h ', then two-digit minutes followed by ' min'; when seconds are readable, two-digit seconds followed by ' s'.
4 h 32 min
